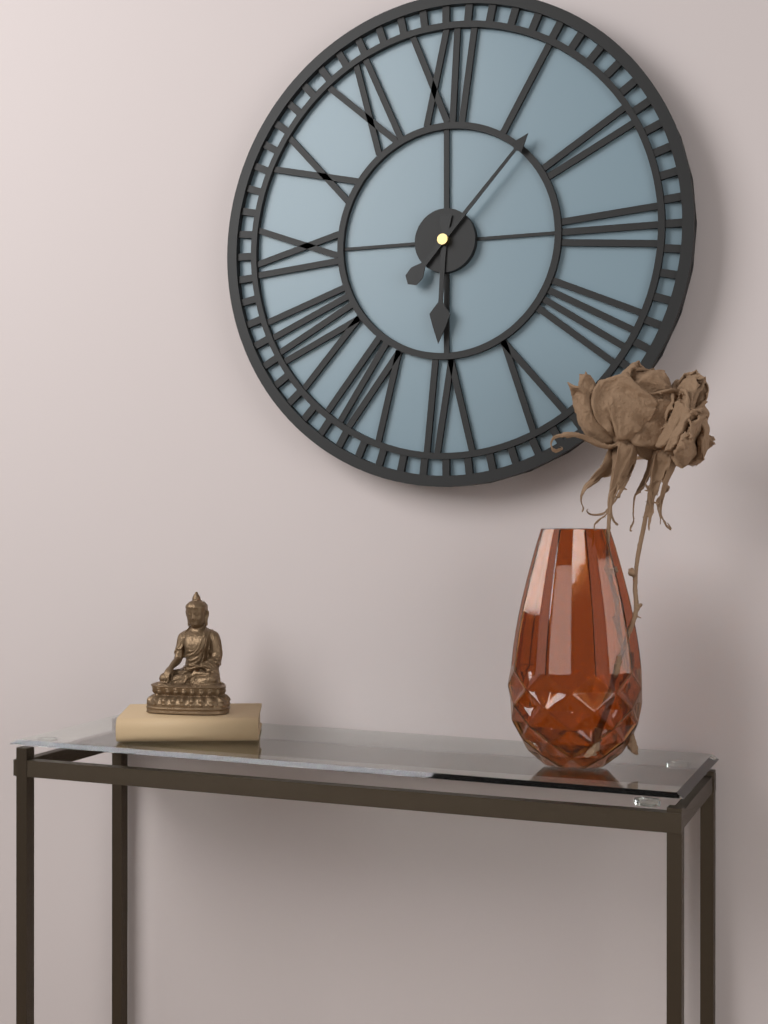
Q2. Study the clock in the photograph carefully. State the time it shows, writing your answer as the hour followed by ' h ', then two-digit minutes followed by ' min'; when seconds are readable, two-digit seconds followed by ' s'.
6 h 07 min
